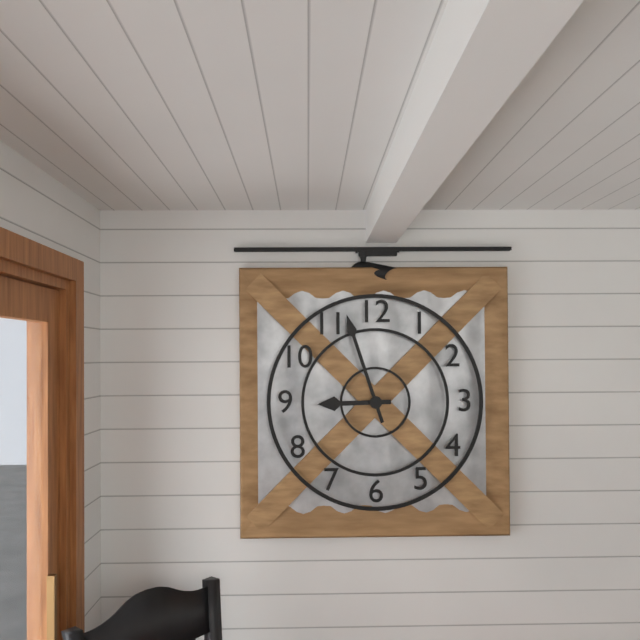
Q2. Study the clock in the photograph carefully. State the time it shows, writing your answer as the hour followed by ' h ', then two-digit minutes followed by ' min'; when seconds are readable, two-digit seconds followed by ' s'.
8 h 57 min
